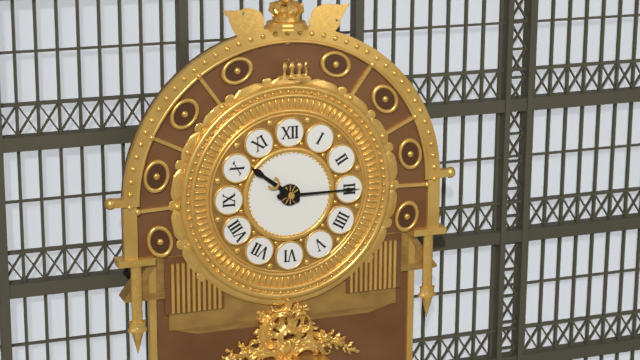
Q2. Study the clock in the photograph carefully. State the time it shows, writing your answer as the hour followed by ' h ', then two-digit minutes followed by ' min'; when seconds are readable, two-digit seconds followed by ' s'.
10 h 15 min
